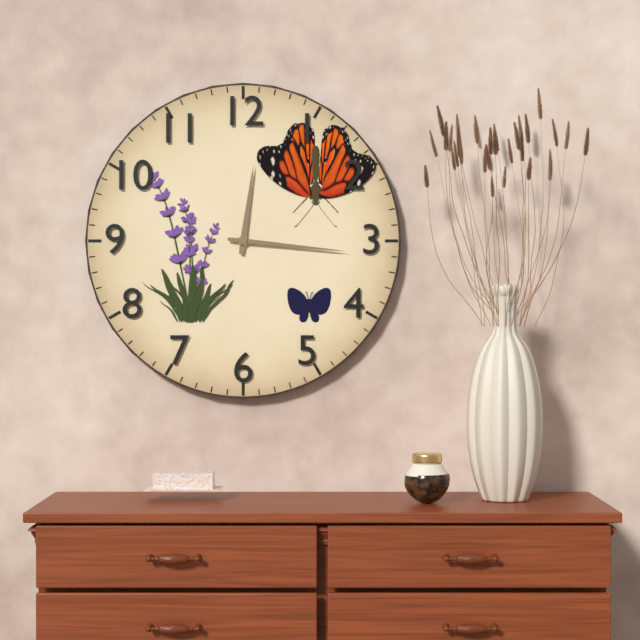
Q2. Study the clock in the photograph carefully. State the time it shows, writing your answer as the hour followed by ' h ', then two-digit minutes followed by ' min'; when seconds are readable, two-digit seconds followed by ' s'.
12 h 16 min
